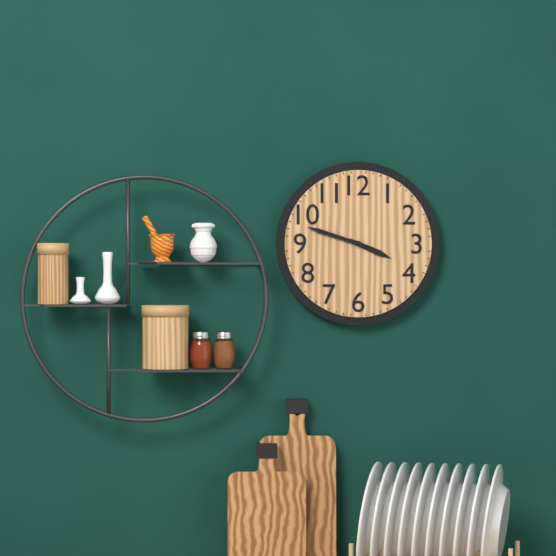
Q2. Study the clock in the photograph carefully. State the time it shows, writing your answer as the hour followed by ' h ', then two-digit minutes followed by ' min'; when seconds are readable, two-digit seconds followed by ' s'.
3 h 48 min
